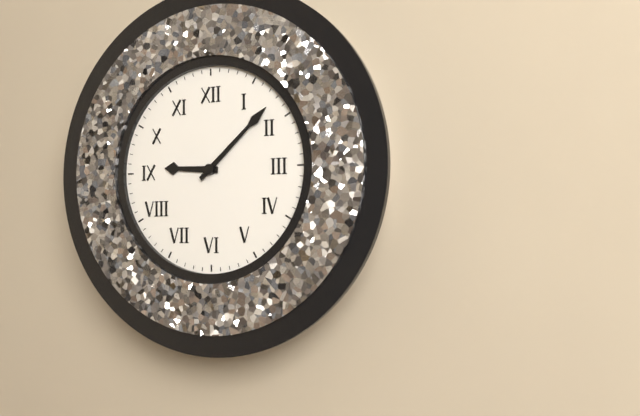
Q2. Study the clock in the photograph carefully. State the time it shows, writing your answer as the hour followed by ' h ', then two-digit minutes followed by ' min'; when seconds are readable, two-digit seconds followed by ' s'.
9 h 08 min
